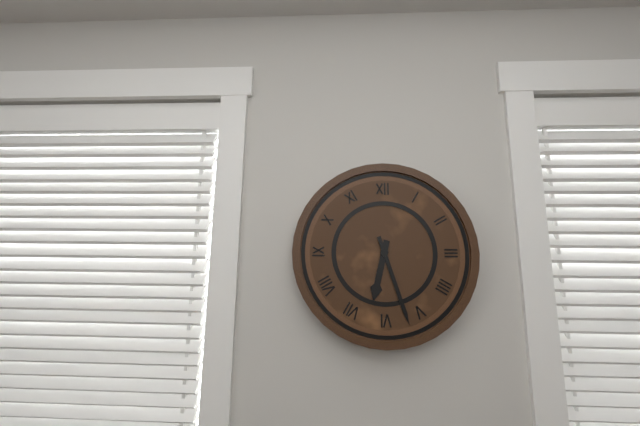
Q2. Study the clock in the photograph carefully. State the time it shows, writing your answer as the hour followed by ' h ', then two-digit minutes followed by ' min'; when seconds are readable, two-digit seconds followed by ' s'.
6 h 27 min
